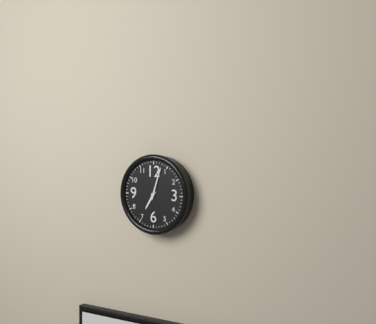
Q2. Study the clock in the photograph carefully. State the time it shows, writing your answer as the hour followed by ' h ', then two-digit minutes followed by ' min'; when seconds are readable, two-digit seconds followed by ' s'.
7 h 03 min
